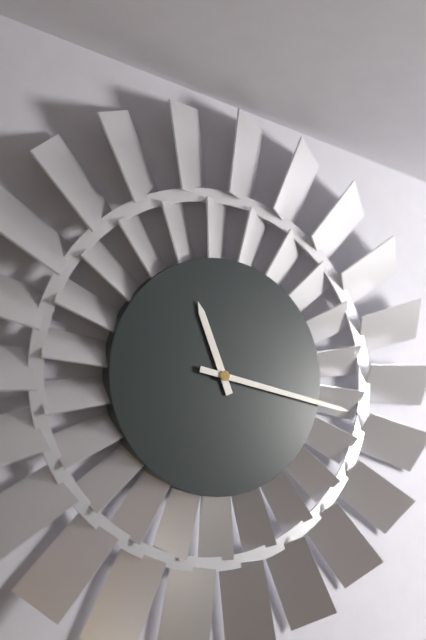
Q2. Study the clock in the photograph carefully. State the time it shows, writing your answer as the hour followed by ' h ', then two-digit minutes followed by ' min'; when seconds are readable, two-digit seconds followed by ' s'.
11 h 17 min
